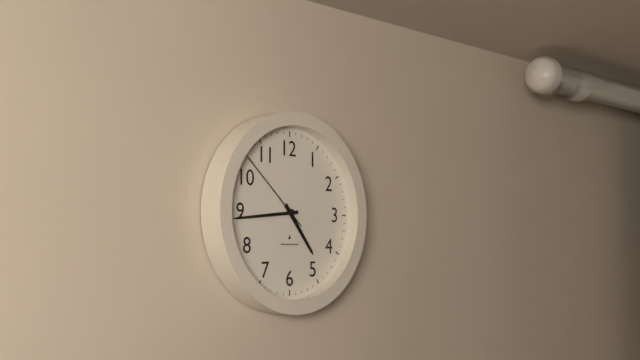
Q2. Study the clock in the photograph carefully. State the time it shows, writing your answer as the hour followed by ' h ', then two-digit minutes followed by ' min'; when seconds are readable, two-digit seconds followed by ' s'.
4 h 44 min 52 s
